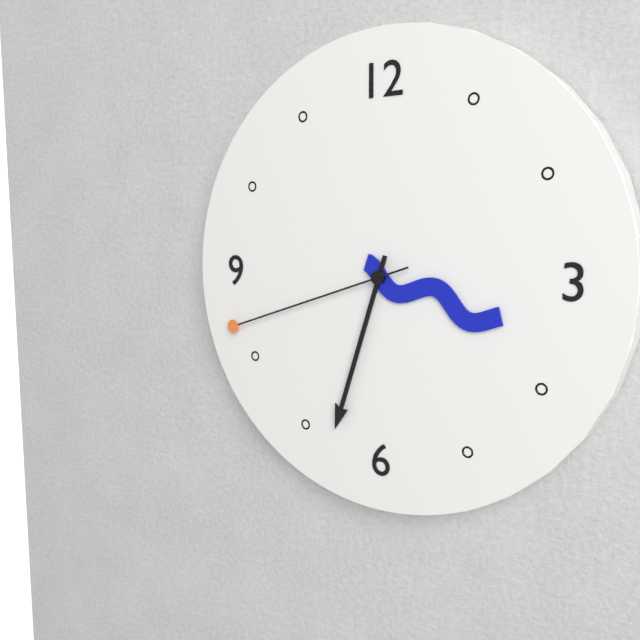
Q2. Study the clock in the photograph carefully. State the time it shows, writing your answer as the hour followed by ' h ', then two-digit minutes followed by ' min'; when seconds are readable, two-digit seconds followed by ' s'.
3 h 33 min 42 s
